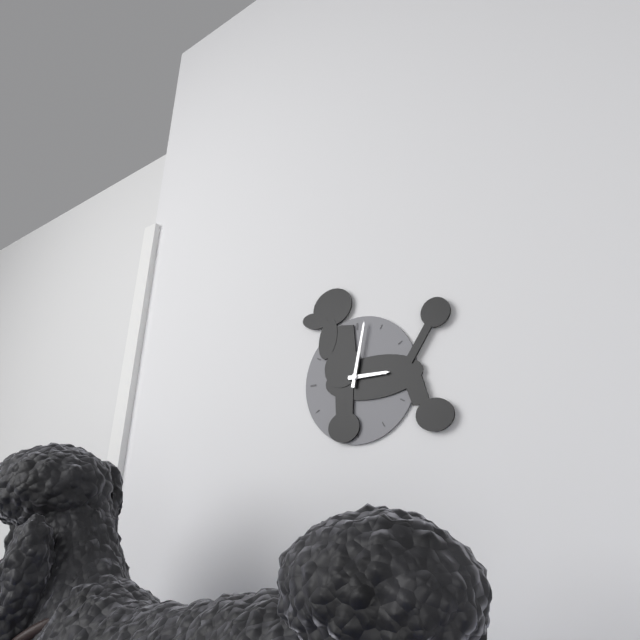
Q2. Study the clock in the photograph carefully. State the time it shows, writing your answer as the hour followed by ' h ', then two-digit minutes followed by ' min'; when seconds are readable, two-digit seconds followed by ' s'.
3 h 02 min
